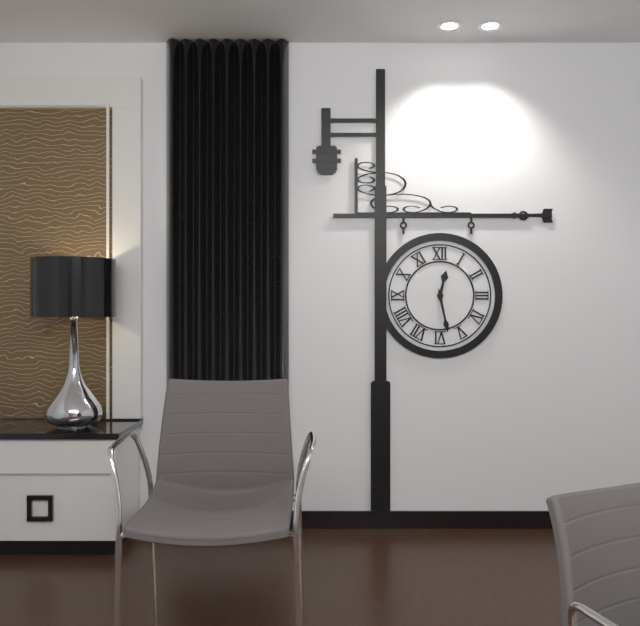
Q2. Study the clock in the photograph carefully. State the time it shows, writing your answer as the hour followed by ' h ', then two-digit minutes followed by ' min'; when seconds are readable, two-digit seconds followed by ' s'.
12 h 28 min
